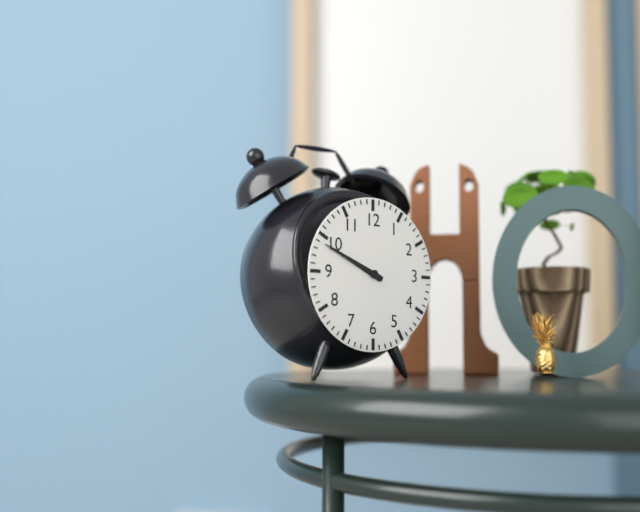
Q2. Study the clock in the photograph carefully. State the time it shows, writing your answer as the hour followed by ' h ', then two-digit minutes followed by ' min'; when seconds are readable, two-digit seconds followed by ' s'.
9 h 49 min
